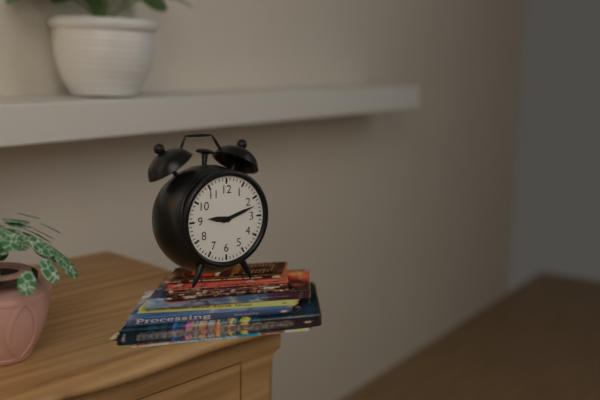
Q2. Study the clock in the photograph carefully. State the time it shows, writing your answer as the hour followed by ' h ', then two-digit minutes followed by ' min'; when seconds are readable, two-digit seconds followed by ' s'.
9 h 12 min
